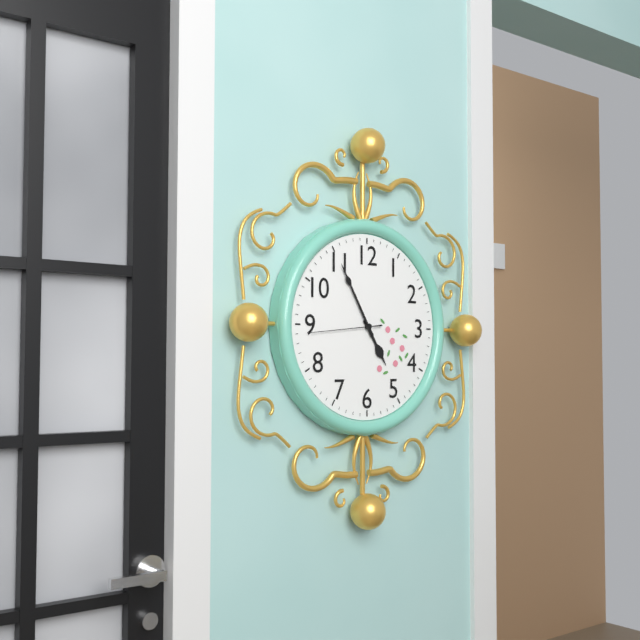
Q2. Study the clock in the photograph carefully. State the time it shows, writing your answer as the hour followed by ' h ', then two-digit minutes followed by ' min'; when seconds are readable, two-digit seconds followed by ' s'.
4 h 55 min 44 s
